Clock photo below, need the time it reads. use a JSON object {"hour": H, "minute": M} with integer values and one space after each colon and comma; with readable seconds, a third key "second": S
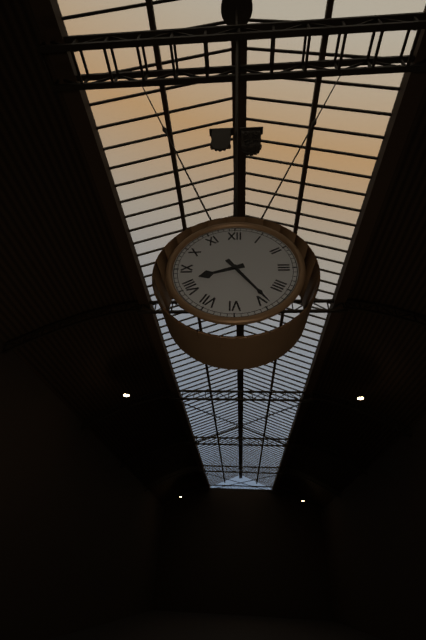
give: {"hour": 8, "minute": 24}
